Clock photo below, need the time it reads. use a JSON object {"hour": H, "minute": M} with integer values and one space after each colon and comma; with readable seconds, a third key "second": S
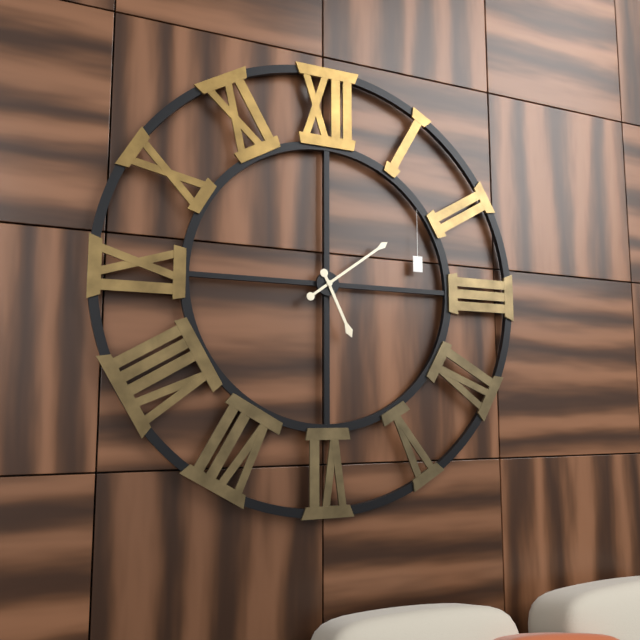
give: {"hour": 5, "minute": 9}
